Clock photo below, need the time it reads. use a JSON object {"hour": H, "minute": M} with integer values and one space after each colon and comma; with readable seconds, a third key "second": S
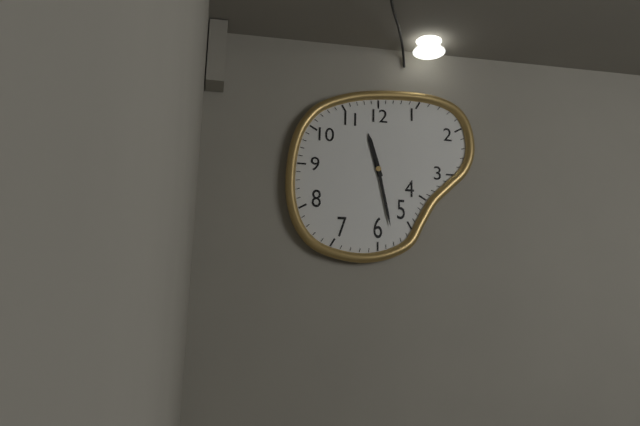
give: {"hour": 11, "minute": 28}
